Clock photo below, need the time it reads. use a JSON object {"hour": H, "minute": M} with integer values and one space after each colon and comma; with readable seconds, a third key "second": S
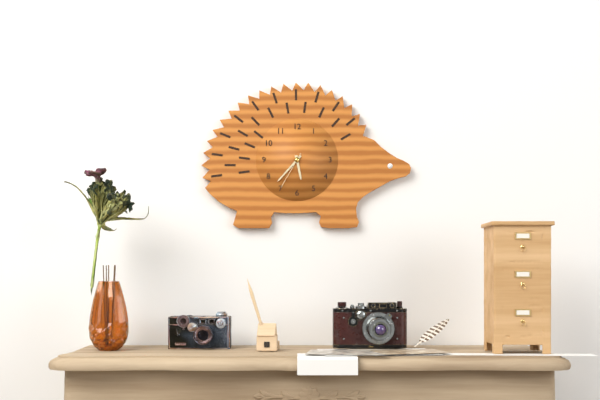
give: {"hour": 5, "minute": 37}
